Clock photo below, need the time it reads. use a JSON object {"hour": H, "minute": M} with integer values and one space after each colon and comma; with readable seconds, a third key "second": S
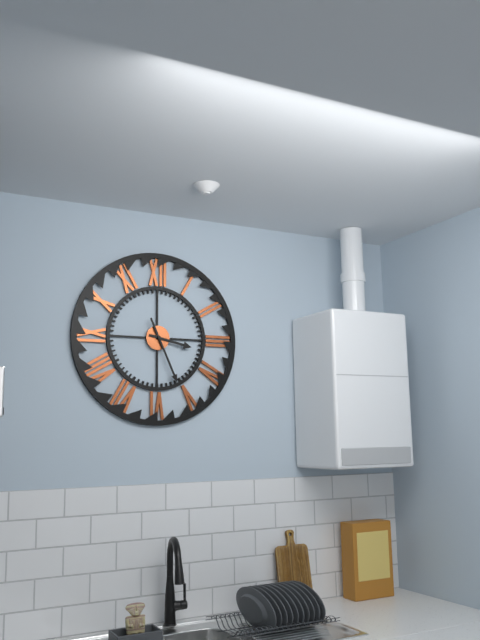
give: {"hour": 3, "minute": 26}
